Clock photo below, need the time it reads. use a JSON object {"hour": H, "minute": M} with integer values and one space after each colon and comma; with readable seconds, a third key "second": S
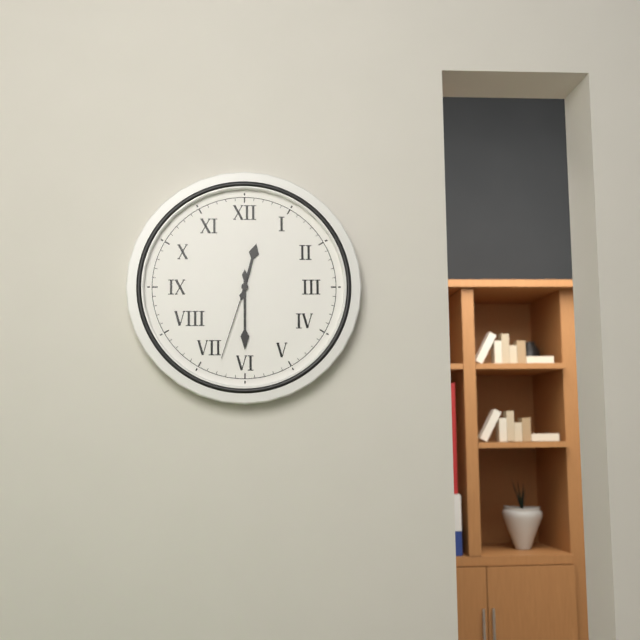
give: {"hour": 12, "minute": 30, "second": 33}
